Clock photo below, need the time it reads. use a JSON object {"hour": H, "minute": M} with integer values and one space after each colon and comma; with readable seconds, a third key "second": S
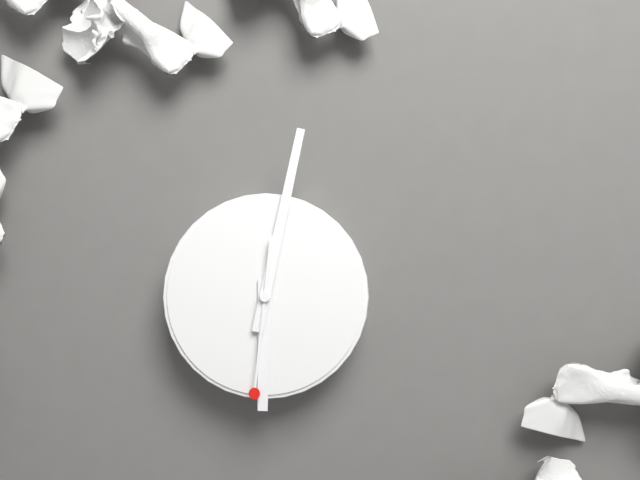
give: {"hour": 6, "minute": 2, "second": 31}
